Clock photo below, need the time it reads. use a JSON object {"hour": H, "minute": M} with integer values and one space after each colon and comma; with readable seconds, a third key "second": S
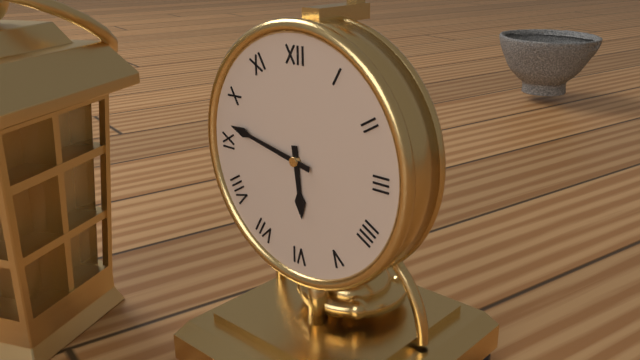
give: {"hour": 5, "minute": 47}
